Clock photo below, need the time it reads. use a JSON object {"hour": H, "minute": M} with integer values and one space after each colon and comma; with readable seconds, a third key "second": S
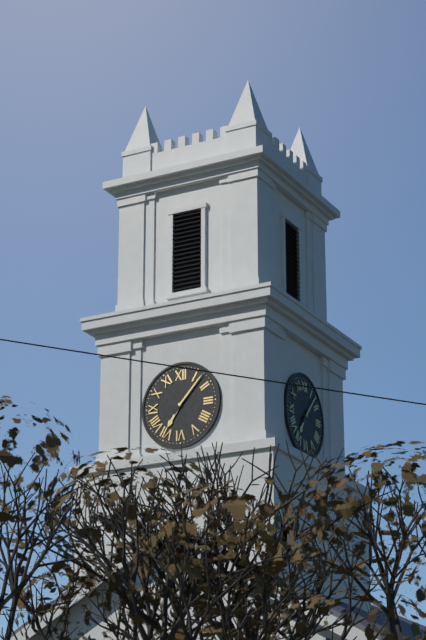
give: {"hour": 7, "minute": 7}
